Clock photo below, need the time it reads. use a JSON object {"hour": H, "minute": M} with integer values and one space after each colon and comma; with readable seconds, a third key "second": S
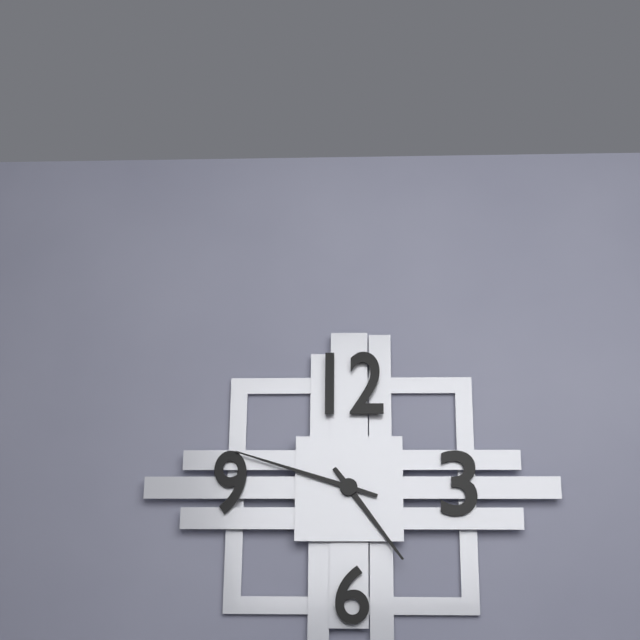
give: {"hour": 4, "minute": 48}
